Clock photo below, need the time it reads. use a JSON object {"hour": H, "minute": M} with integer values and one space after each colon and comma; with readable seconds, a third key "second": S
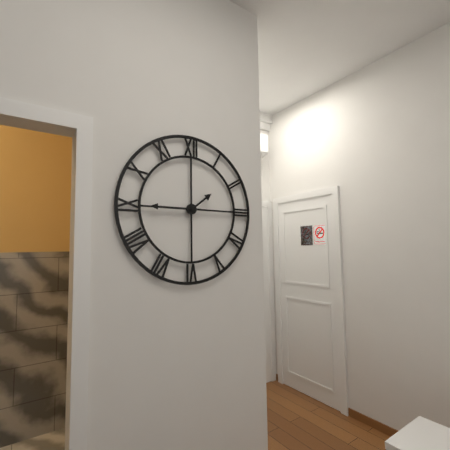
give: {"hour": 1, "minute": 45}
